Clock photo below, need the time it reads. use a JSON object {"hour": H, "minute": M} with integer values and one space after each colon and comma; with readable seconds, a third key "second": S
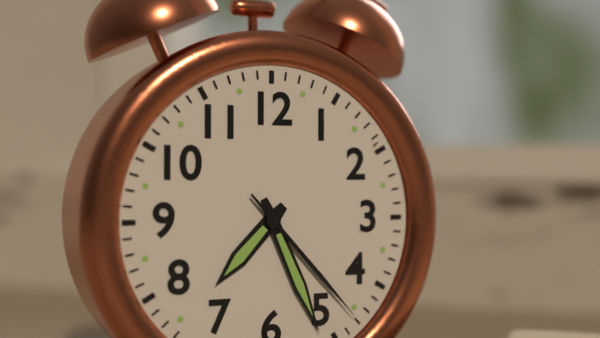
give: {"hour": 7, "minute": 26, "second": 23}
